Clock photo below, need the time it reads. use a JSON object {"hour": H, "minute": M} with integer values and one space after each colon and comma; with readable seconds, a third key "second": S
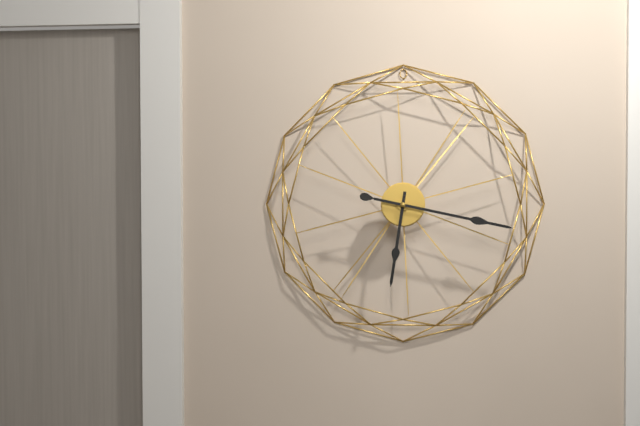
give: {"hour": 6, "minute": 17}
